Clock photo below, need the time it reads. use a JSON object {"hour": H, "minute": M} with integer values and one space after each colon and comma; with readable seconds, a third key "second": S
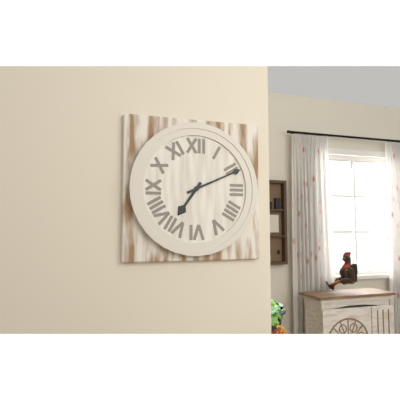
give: {"hour": 7, "minute": 11}
